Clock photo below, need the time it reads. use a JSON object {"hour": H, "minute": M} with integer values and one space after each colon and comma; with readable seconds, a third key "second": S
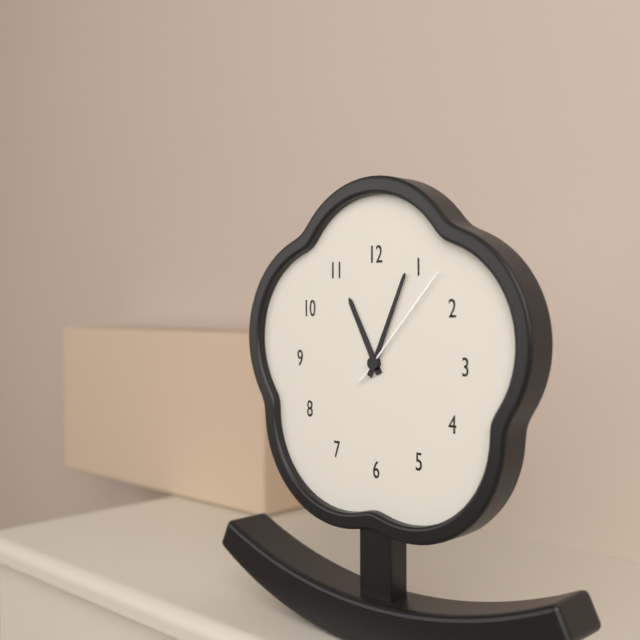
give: {"hour": 11, "minute": 4, "second": 7}
